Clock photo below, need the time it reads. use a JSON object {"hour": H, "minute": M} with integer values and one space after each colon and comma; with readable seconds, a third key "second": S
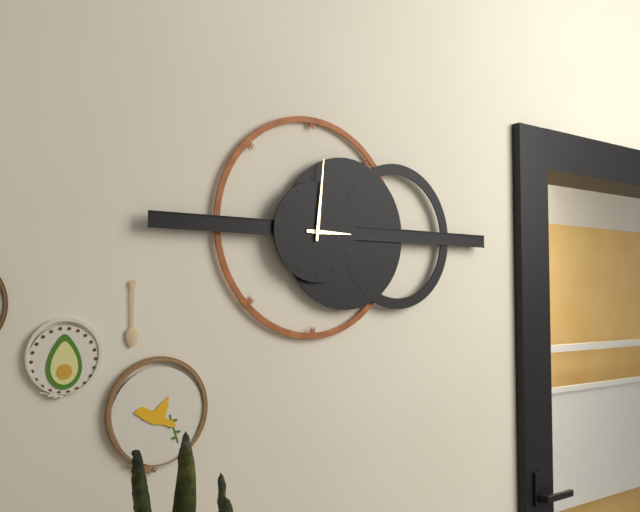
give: {"hour": 3, "minute": 1}
